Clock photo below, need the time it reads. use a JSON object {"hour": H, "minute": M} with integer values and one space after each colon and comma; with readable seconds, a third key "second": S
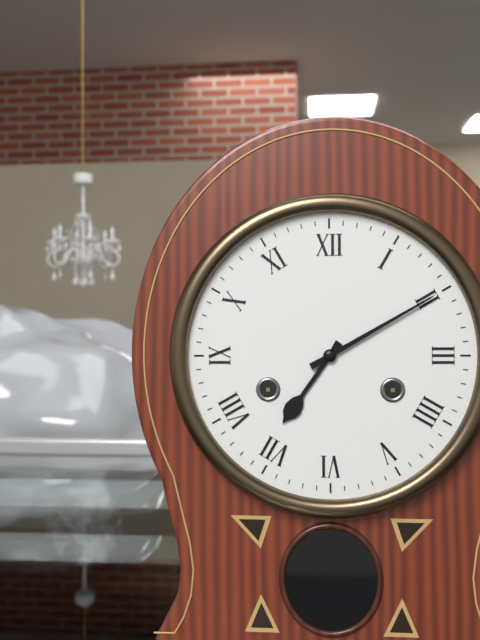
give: {"hour": 7, "minute": 10}
